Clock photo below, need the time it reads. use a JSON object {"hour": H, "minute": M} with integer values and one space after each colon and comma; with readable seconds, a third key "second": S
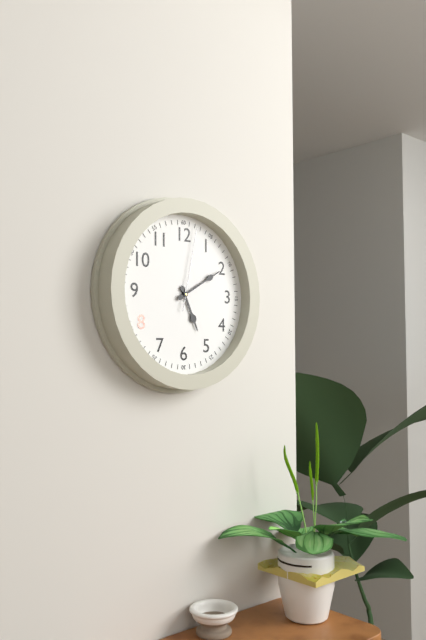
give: {"hour": 5, "minute": 10, "second": 2}
